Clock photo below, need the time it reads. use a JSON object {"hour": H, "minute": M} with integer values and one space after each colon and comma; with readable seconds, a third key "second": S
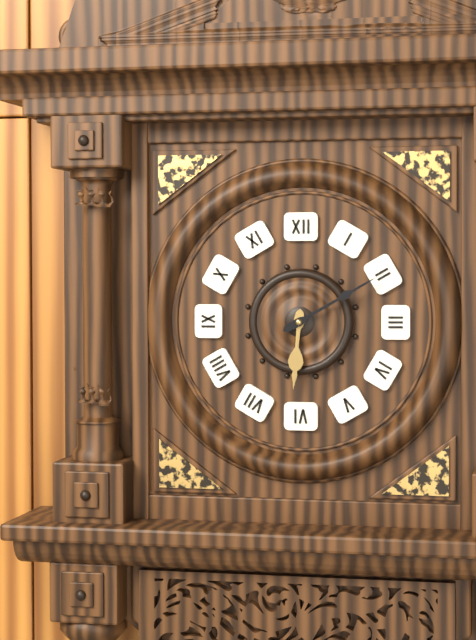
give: {"hour": 6, "minute": 10}
